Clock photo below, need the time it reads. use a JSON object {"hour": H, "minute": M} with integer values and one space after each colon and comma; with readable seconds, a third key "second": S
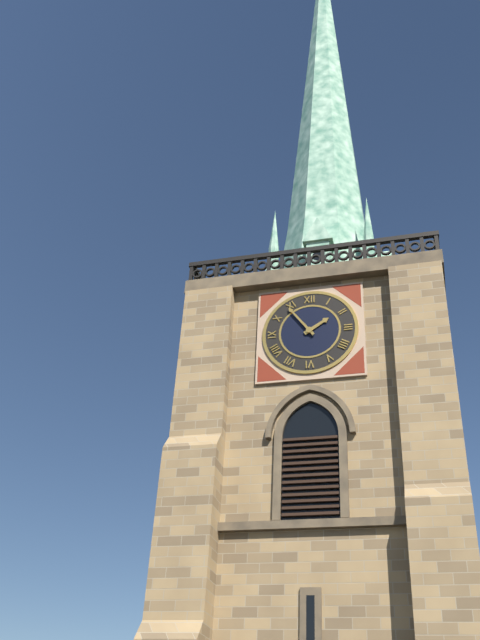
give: {"hour": 1, "minute": 54}
